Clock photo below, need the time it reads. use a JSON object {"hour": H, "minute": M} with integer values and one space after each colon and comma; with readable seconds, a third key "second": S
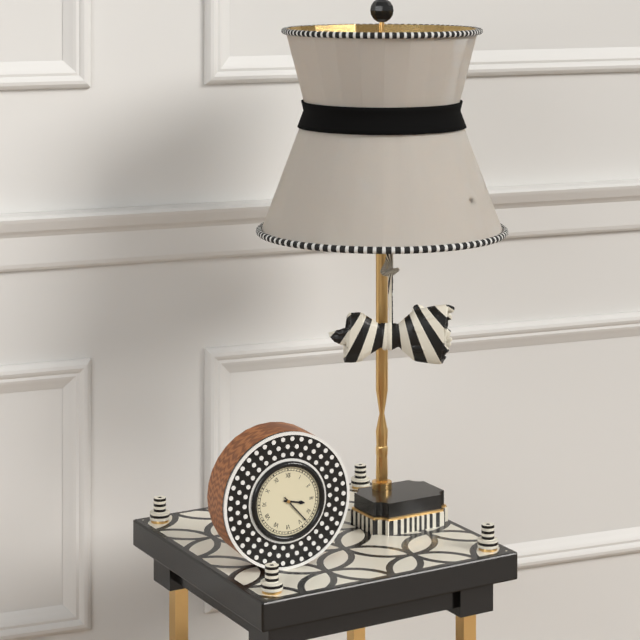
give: {"hour": 3, "minute": 23}
